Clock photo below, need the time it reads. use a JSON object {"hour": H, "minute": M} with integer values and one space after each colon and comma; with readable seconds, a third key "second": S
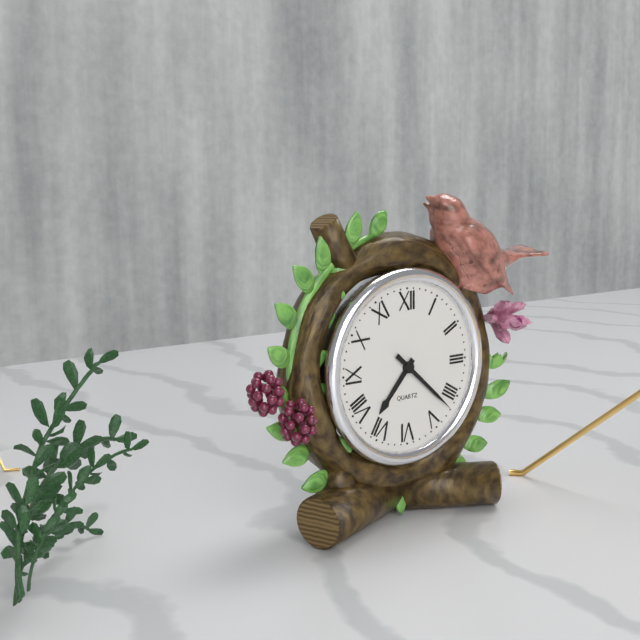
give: {"hour": 7, "minute": 22}
